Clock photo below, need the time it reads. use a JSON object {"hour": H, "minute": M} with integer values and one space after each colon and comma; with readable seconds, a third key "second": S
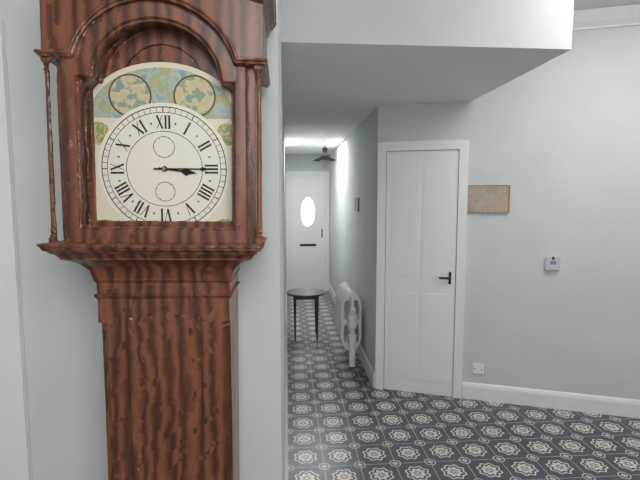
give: {"hour": 3, "minute": 15}
